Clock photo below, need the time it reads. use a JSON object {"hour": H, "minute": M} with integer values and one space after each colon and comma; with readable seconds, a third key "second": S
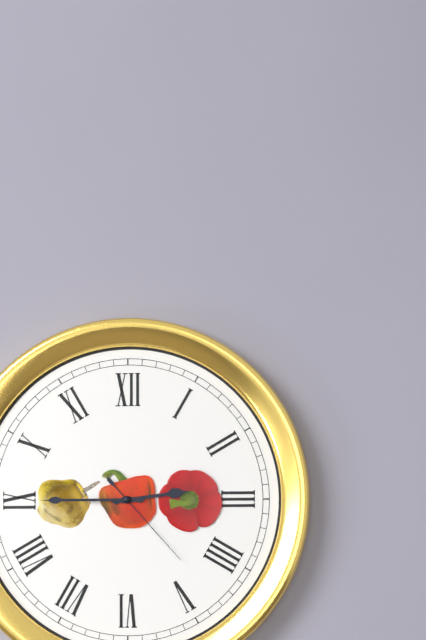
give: {"hour": 2, "minute": 45, "second": 23}
